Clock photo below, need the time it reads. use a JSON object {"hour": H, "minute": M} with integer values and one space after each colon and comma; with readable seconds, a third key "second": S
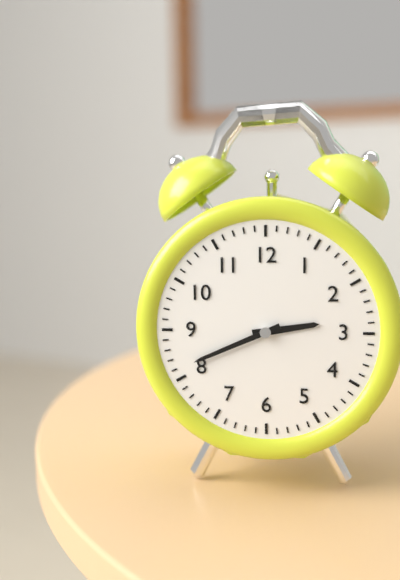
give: {"hour": 2, "minute": 41}
